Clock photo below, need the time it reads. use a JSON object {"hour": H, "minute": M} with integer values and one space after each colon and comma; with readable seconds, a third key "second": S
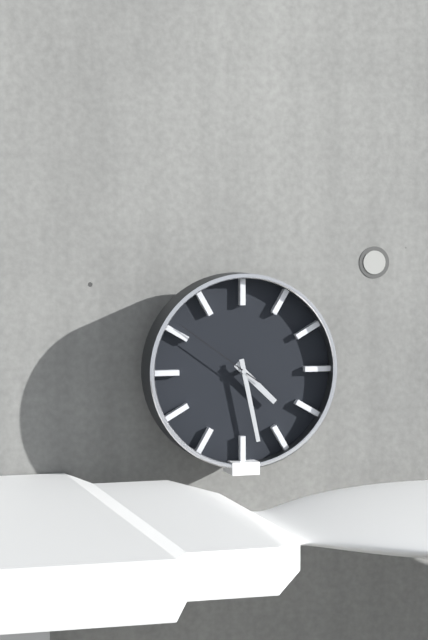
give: {"hour": 4, "minute": 28, "second": 51}
